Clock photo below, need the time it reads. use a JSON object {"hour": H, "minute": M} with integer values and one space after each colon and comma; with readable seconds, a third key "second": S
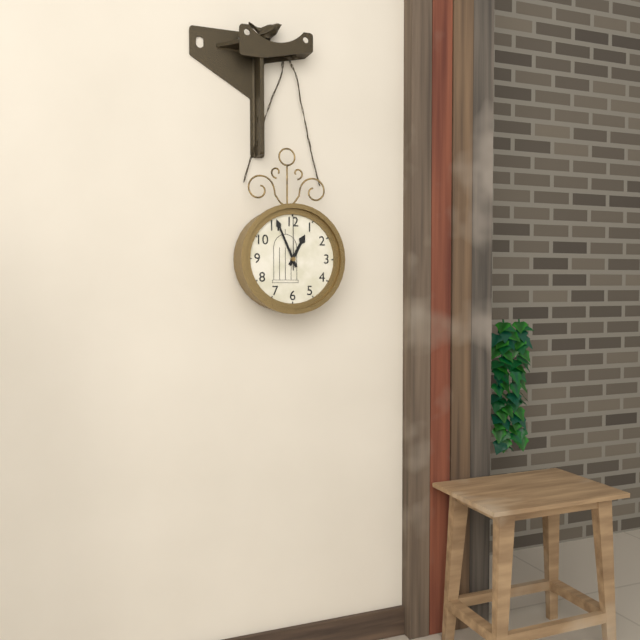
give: {"hour": 12, "minute": 56, "second": 0}
